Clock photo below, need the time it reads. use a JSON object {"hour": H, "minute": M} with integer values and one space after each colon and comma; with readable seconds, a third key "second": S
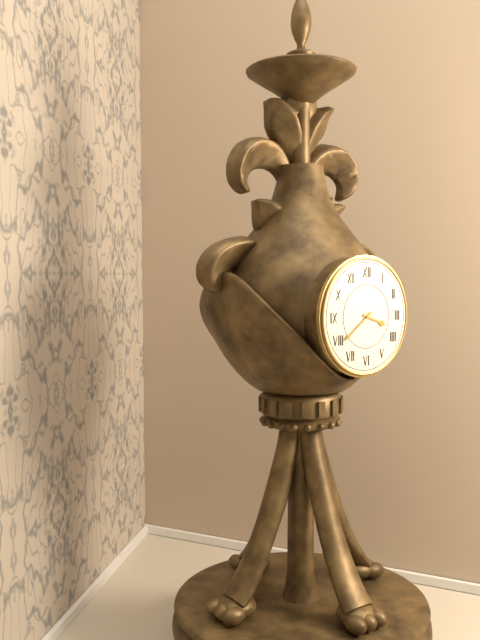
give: {"hour": 3, "minute": 39}
